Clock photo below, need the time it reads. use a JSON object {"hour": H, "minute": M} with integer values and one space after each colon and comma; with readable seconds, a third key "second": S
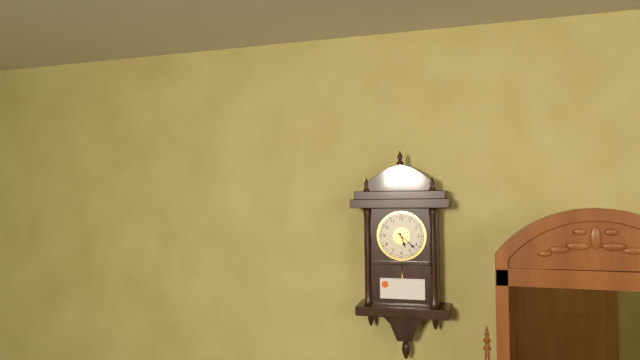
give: {"hour": 5, "minute": 22}
